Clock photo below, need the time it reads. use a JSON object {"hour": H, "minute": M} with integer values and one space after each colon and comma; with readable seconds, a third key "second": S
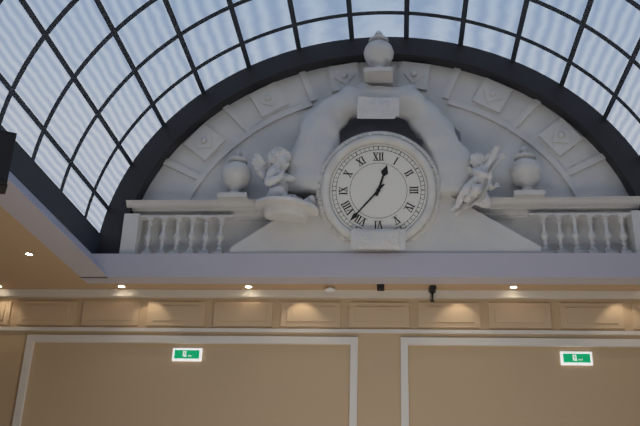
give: {"hour": 12, "minute": 37}
